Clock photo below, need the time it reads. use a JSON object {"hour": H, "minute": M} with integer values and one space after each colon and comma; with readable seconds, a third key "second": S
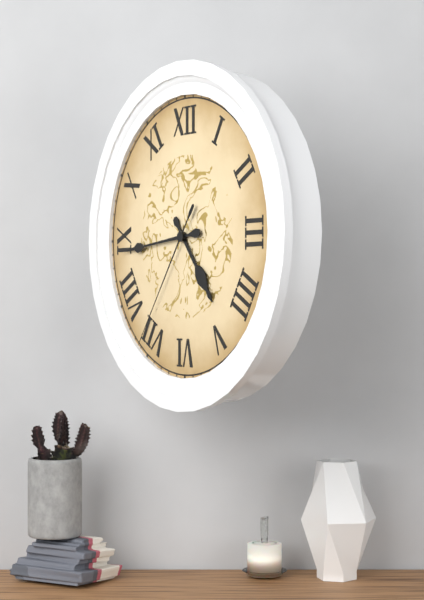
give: {"hour": 4, "minute": 44, "second": 36}
